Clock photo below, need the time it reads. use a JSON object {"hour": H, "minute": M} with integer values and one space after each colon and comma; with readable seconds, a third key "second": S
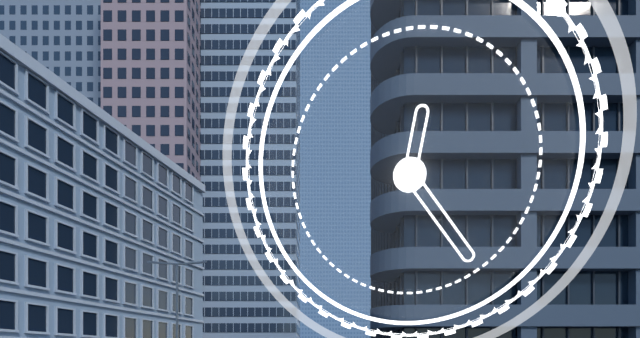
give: {"hour": 12, "minute": 24}
